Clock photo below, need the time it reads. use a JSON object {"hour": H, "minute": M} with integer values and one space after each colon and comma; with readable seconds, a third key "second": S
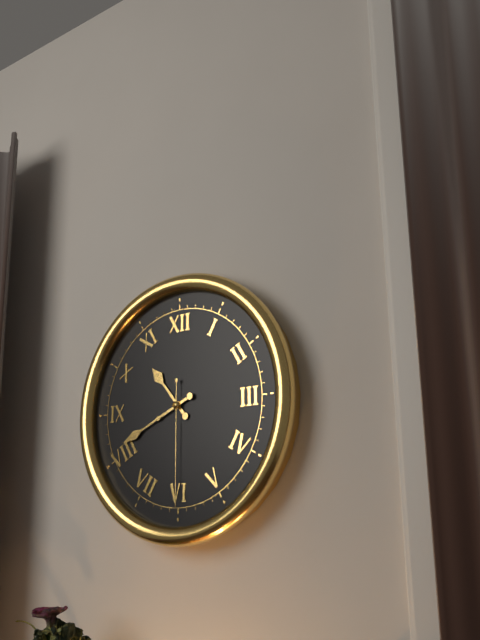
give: {"hour": 10, "minute": 41, "second": 30}
